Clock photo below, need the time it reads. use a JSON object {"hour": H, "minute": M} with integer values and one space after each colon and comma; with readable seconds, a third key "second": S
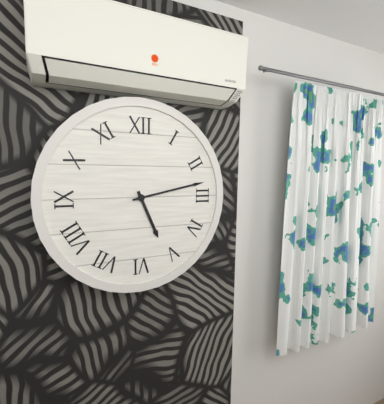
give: {"hour": 5, "minute": 13}
